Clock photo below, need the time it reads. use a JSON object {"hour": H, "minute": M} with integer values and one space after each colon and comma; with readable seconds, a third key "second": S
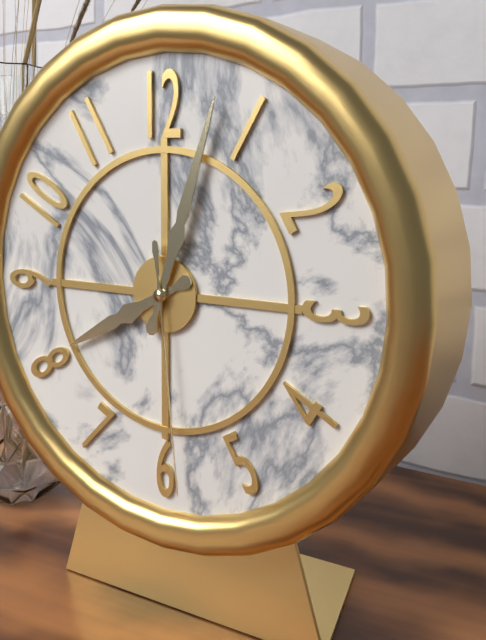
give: {"hour": 8, "minute": 3, "second": 29}
